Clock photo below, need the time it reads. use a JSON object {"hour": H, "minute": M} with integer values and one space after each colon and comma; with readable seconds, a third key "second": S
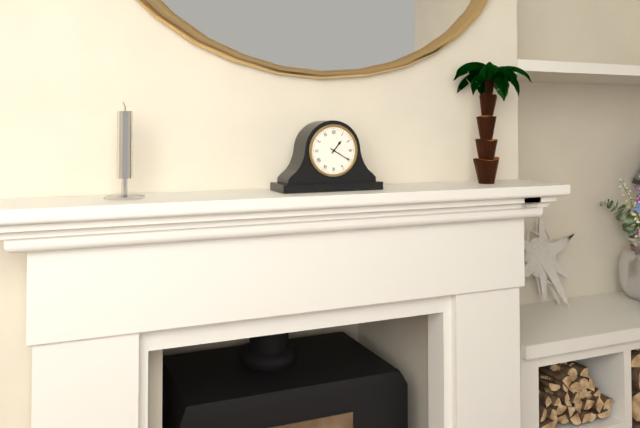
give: {"hour": 1, "minute": 20}
